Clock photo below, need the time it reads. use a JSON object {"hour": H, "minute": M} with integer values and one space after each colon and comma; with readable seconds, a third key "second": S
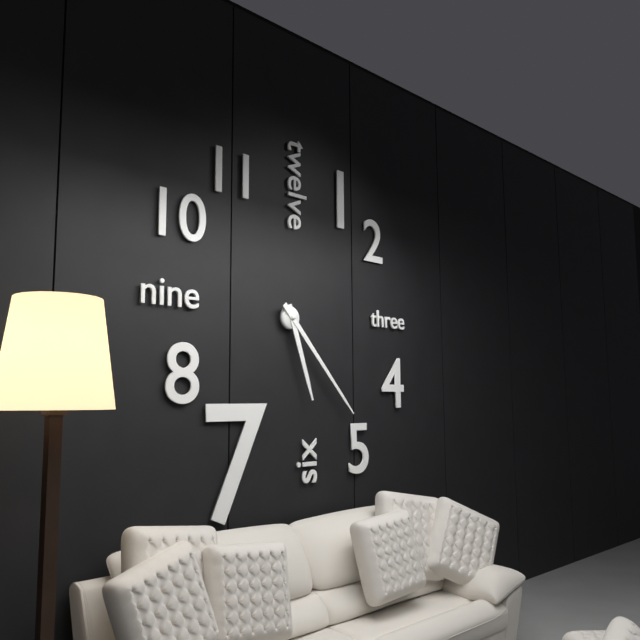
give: {"hour": 5, "minute": 23}
